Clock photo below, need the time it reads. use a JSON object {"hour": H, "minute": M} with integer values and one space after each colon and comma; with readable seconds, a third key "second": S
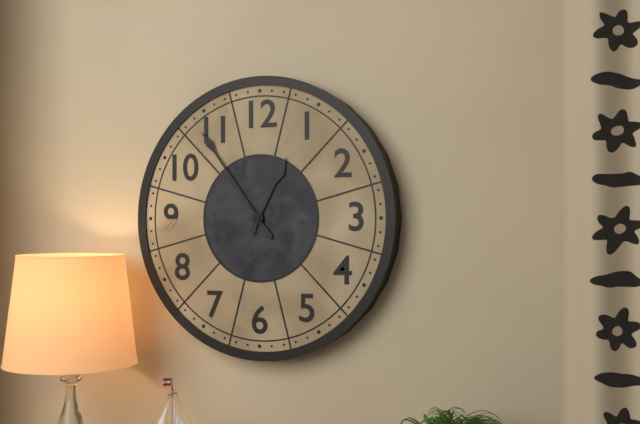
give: {"hour": 12, "minute": 54}
